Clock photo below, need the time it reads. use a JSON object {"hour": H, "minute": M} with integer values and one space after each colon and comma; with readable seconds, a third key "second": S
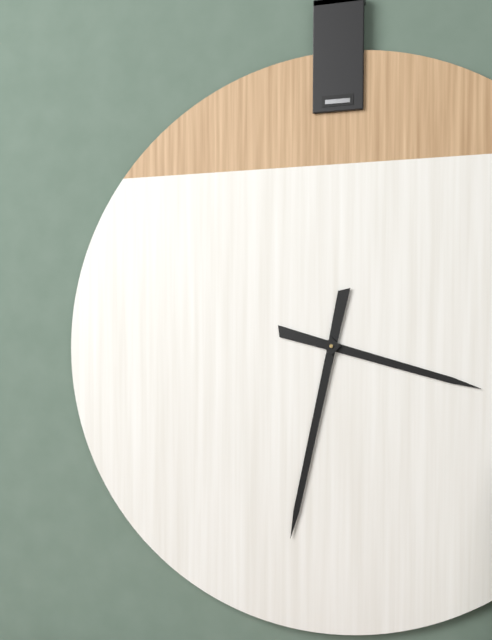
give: {"hour": 3, "minute": 32}
